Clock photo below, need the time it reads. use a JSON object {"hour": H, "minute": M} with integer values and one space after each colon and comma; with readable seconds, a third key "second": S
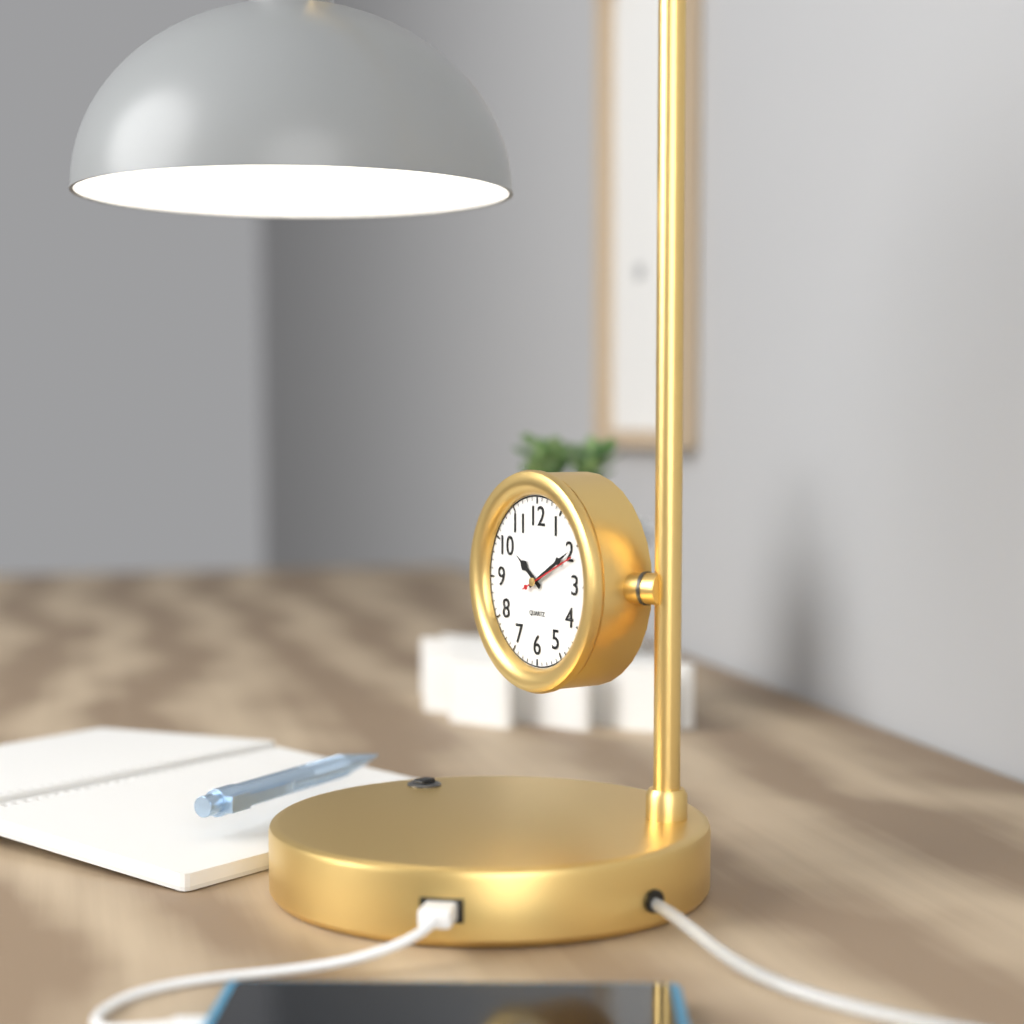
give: {"hour": 10, "minute": 10, "second": 11}
